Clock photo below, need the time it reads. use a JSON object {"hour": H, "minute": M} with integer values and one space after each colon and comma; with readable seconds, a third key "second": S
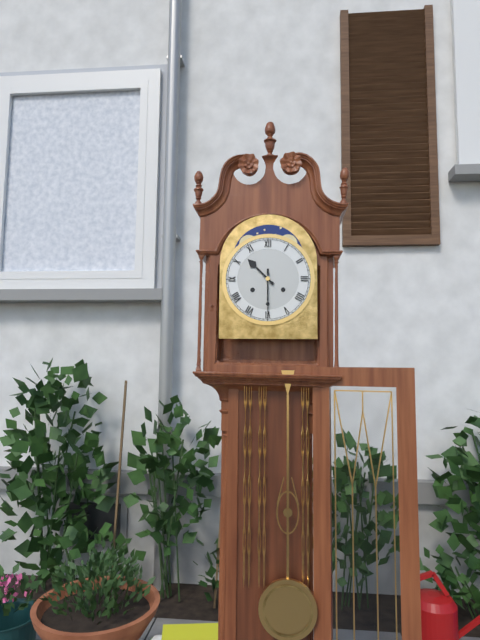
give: {"hour": 10, "minute": 30}
